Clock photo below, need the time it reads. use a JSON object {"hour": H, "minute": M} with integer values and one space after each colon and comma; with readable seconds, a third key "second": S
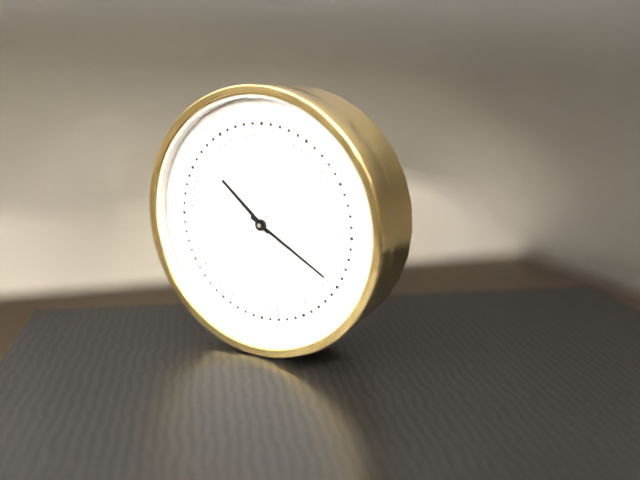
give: {"hour": 10, "minute": 20}
